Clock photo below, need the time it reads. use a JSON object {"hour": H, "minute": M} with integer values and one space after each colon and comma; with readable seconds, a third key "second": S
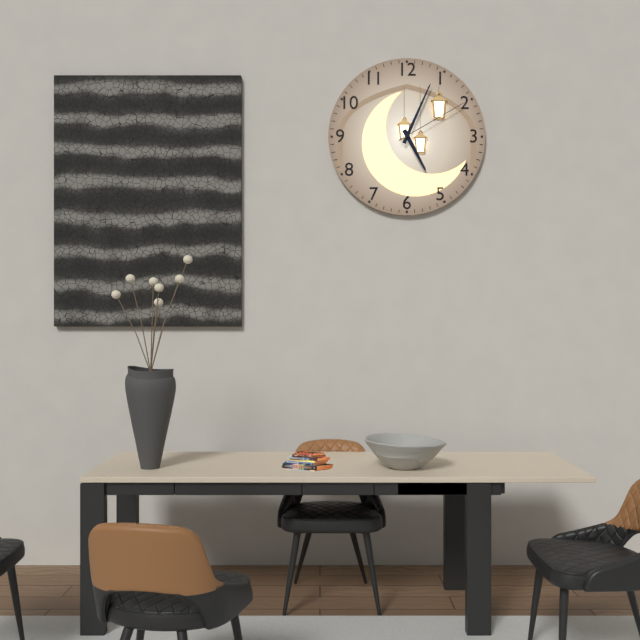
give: {"hour": 5, "minute": 4, "second": 10}
